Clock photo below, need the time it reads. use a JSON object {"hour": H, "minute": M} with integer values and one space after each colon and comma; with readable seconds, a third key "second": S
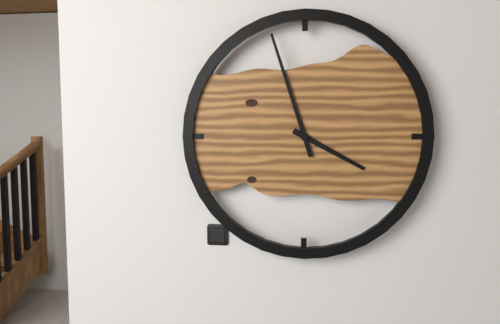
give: {"hour": 3, "minute": 57}
